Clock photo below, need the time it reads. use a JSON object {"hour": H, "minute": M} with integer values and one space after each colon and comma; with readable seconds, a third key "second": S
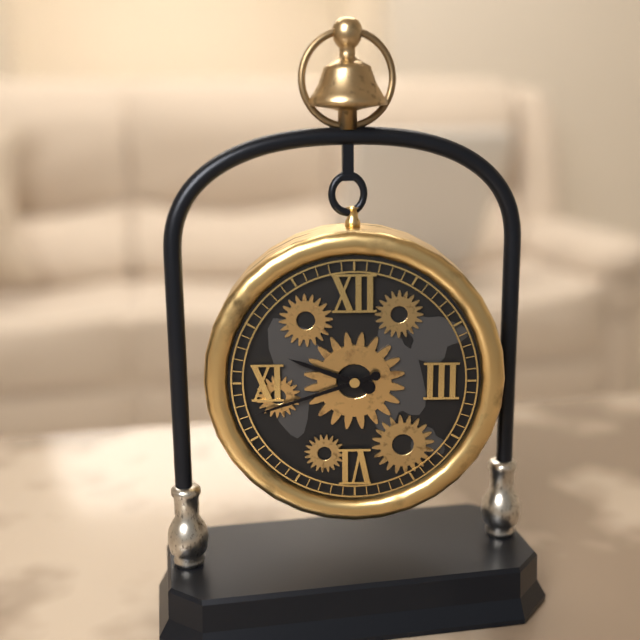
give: {"hour": 9, "minute": 42}
